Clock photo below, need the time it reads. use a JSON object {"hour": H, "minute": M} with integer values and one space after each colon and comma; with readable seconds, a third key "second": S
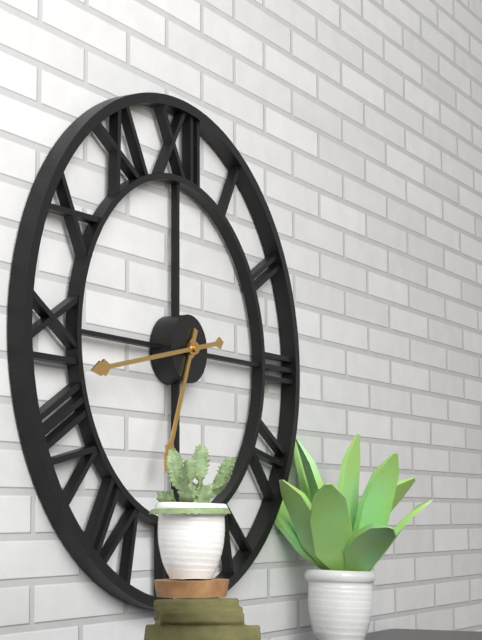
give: {"hour": 6, "minute": 43}
